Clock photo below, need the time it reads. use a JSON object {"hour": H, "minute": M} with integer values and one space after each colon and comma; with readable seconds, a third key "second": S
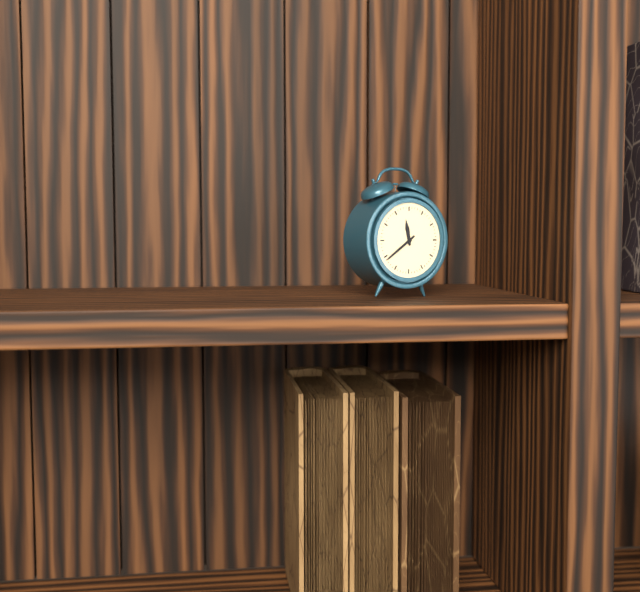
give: {"hour": 11, "minute": 39}
